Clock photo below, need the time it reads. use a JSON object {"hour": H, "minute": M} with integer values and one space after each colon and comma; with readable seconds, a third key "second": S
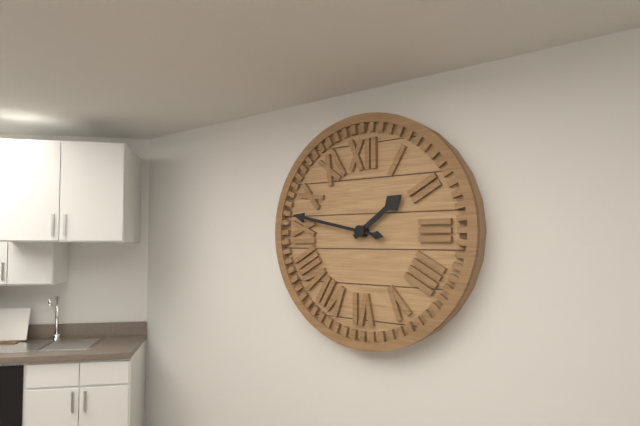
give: {"hour": 1, "minute": 47}
